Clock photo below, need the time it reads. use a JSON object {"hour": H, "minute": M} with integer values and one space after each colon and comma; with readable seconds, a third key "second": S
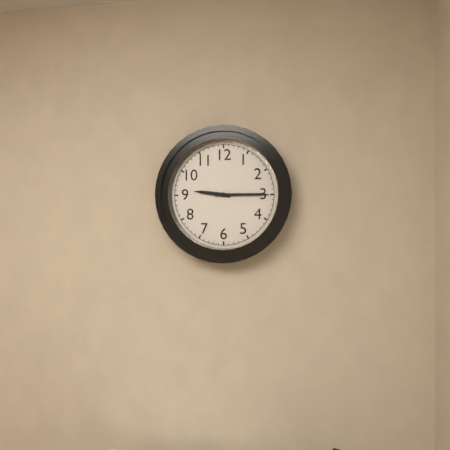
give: {"hour": 9, "minute": 15}
